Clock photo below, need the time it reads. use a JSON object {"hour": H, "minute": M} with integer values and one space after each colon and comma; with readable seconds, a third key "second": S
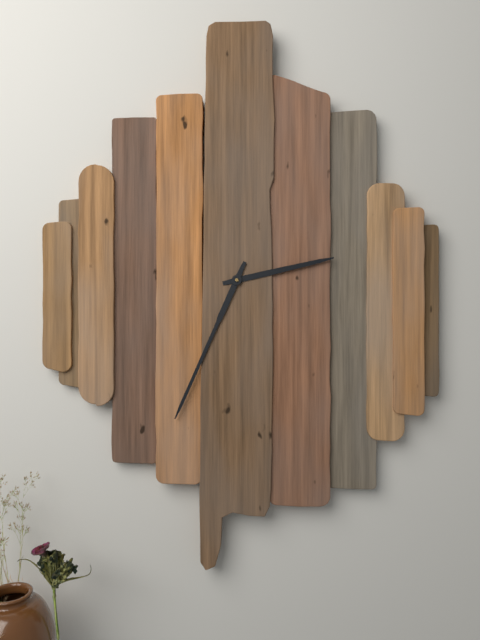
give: {"hour": 2, "minute": 34}
